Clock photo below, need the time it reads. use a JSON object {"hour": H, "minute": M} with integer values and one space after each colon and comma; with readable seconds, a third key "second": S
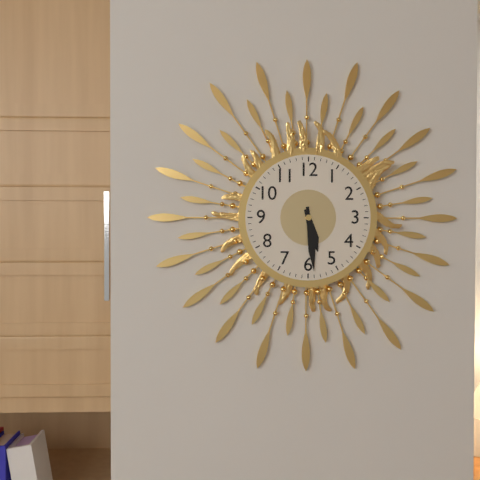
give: {"hour": 5, "minute": 29}
